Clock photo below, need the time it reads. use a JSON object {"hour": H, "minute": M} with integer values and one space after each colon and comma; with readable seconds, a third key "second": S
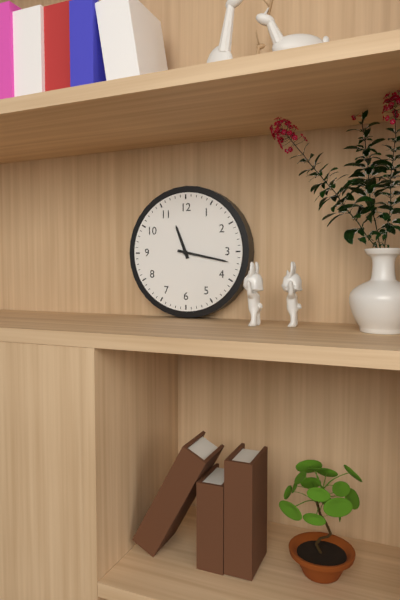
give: {"hour": 11, "minute": 17}
